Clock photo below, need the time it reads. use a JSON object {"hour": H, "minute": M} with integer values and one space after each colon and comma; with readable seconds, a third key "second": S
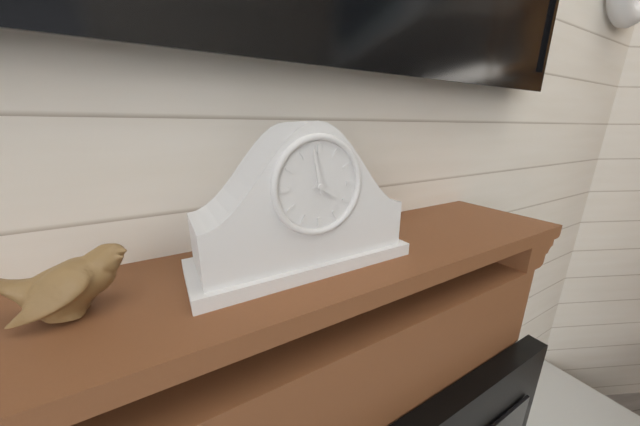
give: {"hour": 3, "minute": 58}
